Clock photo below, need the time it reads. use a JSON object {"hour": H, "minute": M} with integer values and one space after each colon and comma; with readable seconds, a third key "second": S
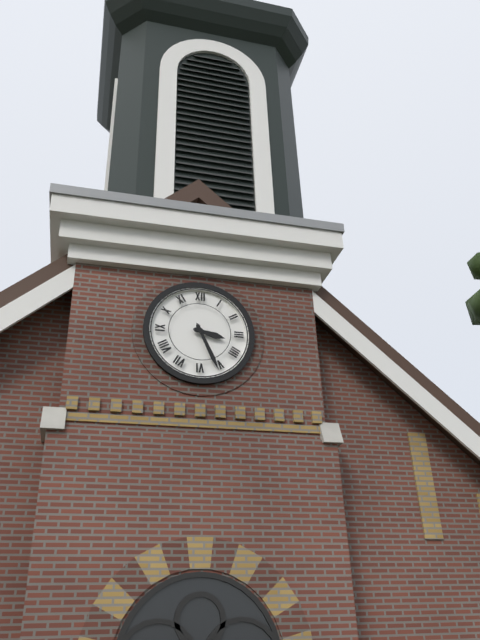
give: {"hour": 3, "minute": 26}
